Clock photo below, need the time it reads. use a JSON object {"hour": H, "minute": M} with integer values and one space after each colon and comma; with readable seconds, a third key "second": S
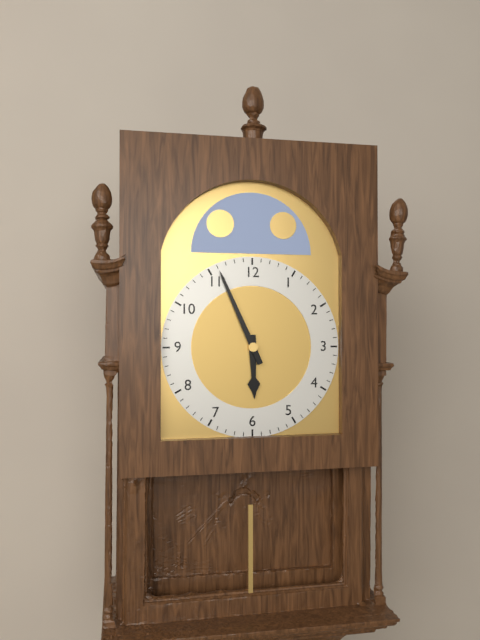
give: {"hour": 5, "minute": 56}
